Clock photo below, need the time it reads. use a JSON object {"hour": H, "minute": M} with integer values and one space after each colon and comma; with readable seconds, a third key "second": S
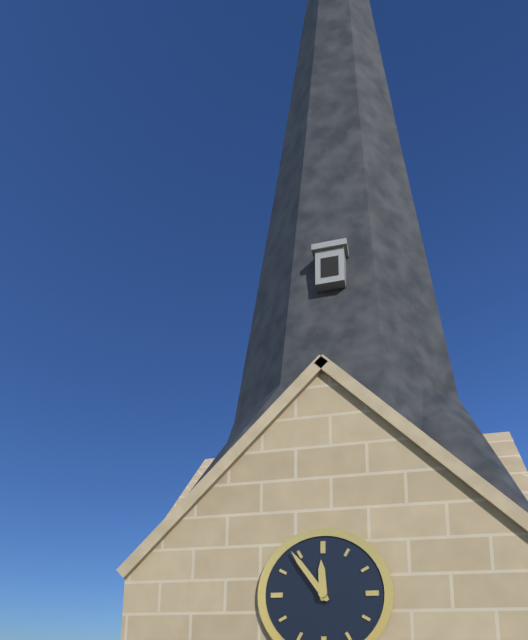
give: {"hour": 11, "minute": 54}
